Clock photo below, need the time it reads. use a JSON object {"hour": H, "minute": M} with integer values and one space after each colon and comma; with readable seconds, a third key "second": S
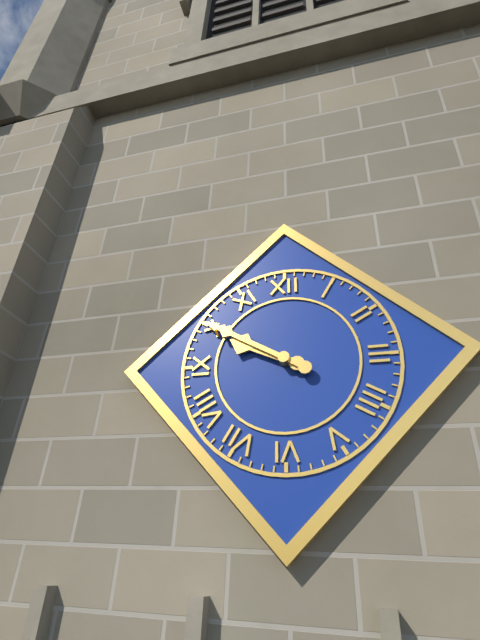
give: {"hour": 9, "minute": 50}
